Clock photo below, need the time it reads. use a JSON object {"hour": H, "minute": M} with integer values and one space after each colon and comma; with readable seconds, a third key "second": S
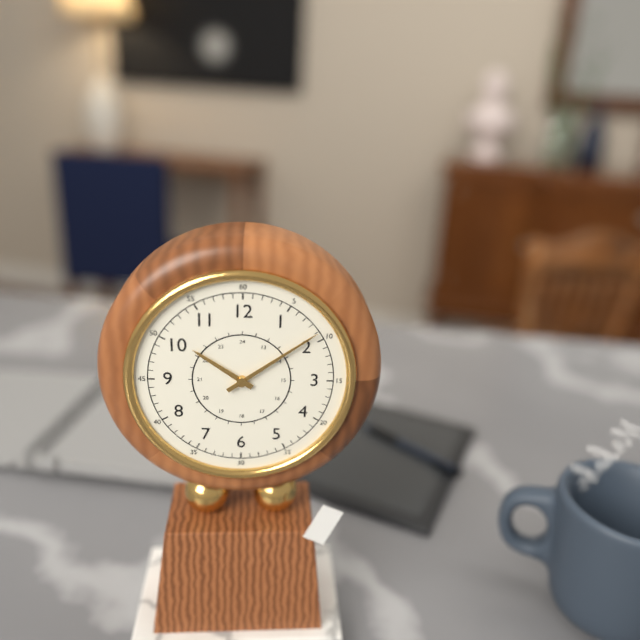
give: {"hour": 10, "minute": 9}
